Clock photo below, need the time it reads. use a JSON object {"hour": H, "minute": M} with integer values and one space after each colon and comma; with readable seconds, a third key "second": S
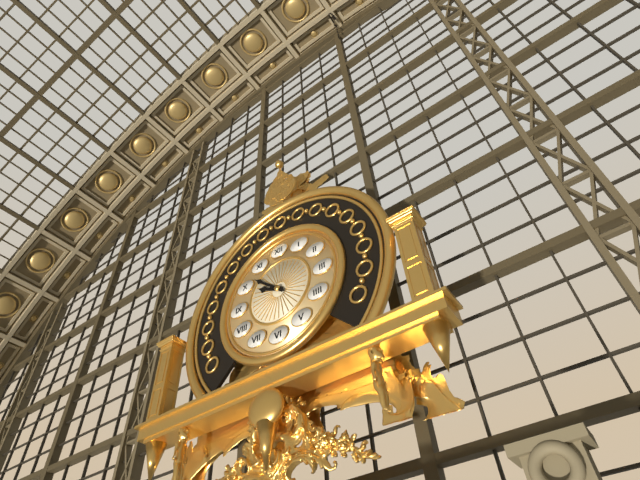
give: {"hour": 9, "minute": 52}
